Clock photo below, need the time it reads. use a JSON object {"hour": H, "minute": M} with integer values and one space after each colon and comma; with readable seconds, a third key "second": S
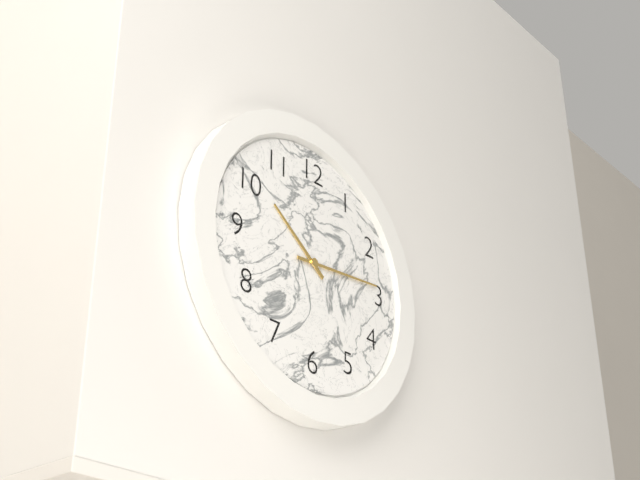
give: {"hour": 10, "minute": 14}
